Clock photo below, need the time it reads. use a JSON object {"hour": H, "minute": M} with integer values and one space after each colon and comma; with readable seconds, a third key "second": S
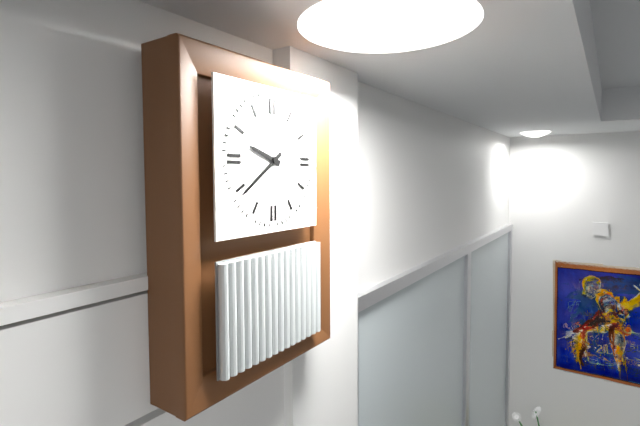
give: {"hour": 9, "minute": 39}
